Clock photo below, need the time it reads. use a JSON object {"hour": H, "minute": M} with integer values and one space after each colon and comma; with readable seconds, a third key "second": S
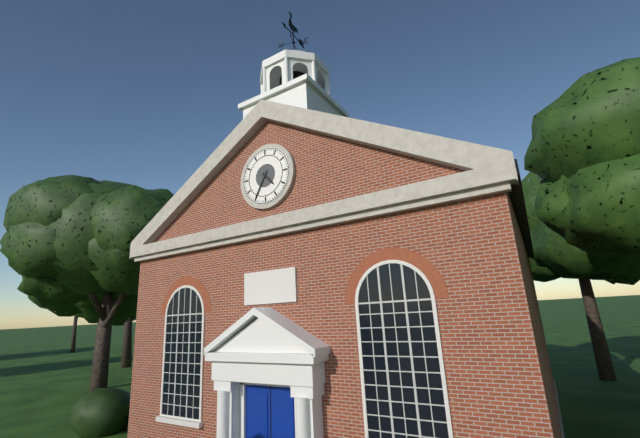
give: {"hour": 4, "minute": 35}
